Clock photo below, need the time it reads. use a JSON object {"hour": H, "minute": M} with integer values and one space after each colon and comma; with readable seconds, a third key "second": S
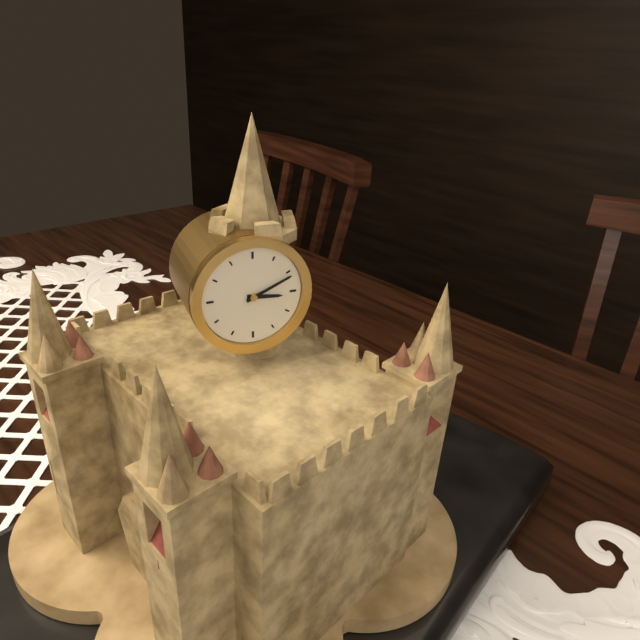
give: {"hour": 3, "minute": 11}
